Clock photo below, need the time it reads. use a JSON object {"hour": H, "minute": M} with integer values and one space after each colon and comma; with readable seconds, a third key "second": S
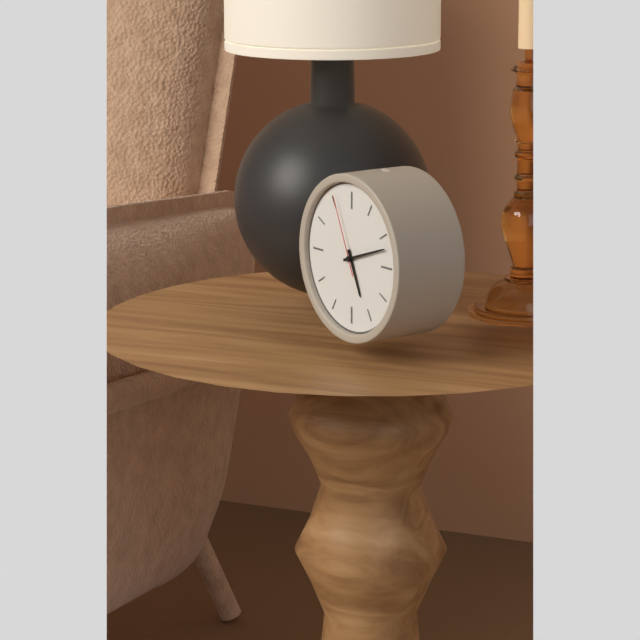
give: {"hour": 5, "minute": 12, "second": 56}
